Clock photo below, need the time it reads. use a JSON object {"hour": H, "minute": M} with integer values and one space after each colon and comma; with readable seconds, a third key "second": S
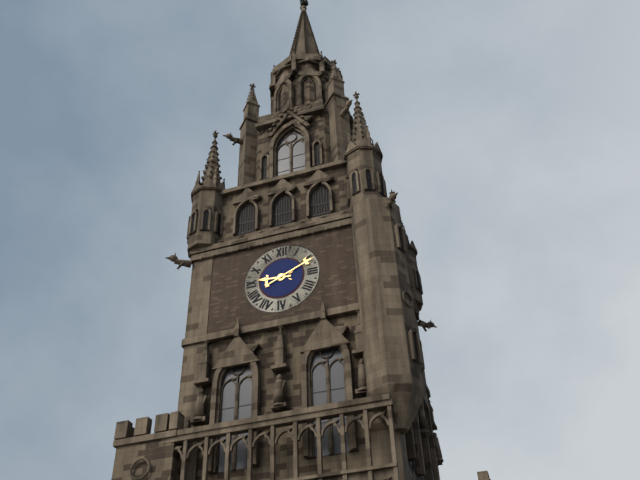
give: {"hour": 9, "minute": 11}
